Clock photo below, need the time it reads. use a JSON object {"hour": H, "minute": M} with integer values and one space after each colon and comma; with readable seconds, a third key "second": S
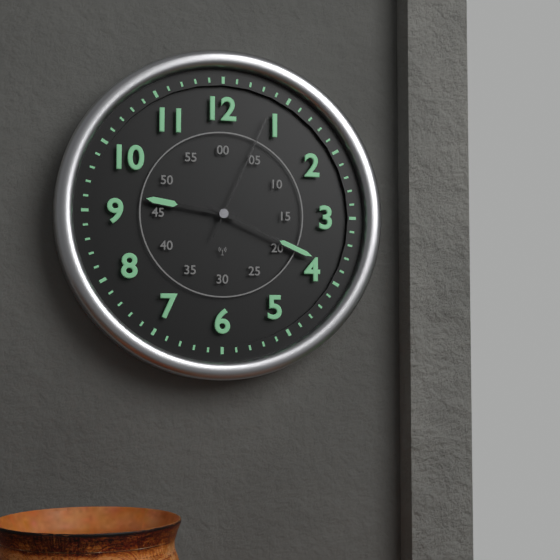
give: {"hour": 9, "minute": 19, "second": 4}
